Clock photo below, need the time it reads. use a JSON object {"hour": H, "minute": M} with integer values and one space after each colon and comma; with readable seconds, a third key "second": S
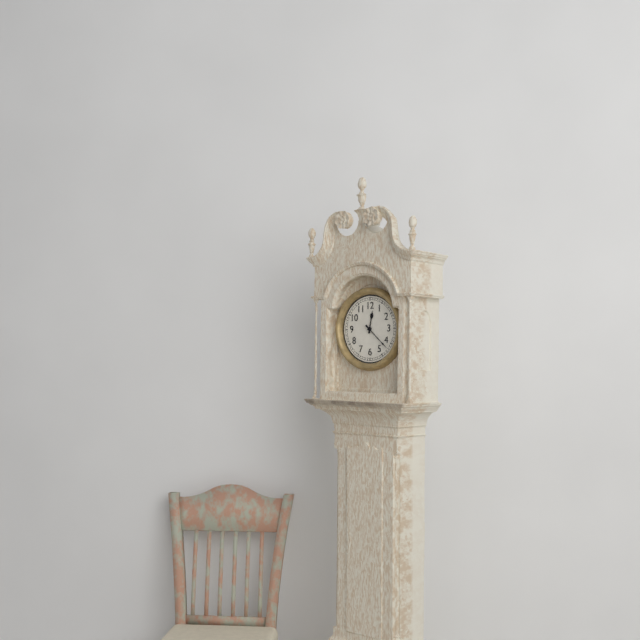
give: {"hour": 12, "minute": 22}
